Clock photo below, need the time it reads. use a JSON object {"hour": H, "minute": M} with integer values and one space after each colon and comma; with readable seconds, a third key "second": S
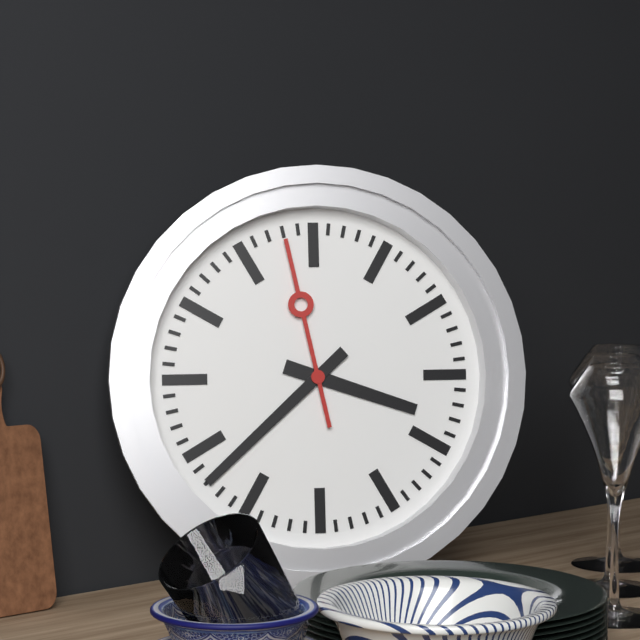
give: {"hour": 3, "minute": 38, "second": 58}
